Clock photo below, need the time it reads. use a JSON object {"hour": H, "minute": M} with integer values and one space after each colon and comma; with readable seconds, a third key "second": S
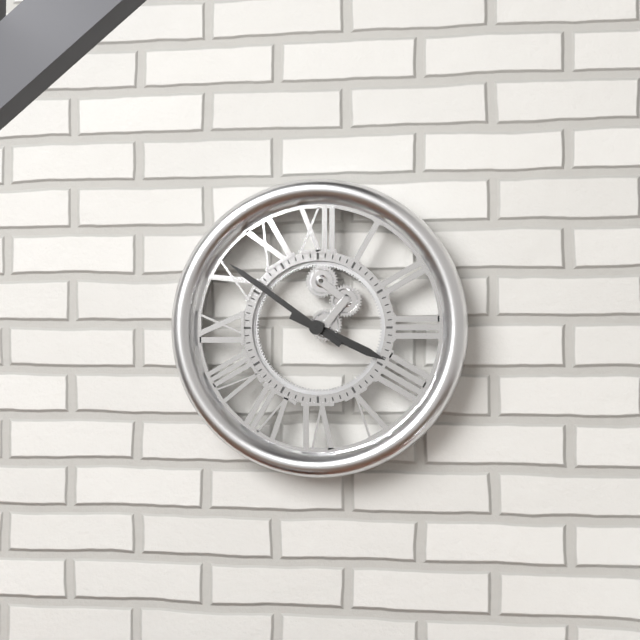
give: {"hour": 3, "minute": 51}
